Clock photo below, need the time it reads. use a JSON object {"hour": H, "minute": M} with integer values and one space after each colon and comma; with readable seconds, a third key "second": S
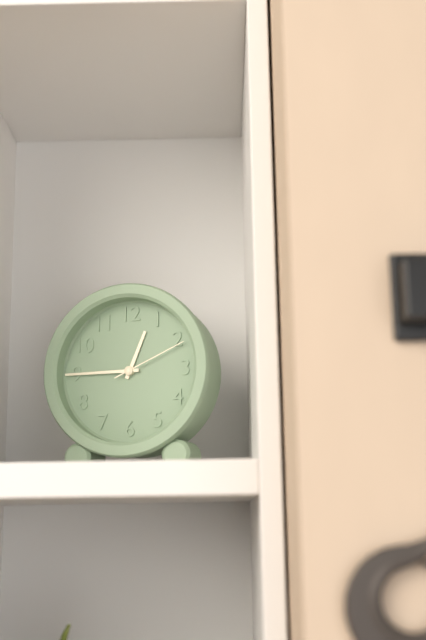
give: {"hour": 12, "minute": 45, "second": 11}
